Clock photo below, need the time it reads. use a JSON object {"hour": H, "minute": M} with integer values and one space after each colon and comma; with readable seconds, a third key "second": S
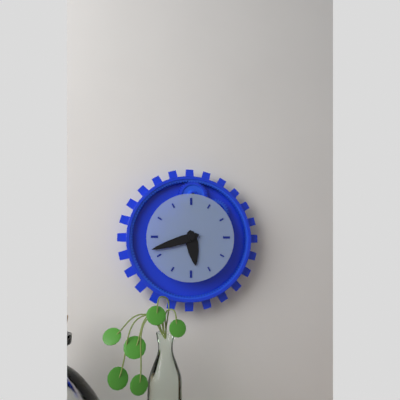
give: {"hour": 5, "minute": 42}
